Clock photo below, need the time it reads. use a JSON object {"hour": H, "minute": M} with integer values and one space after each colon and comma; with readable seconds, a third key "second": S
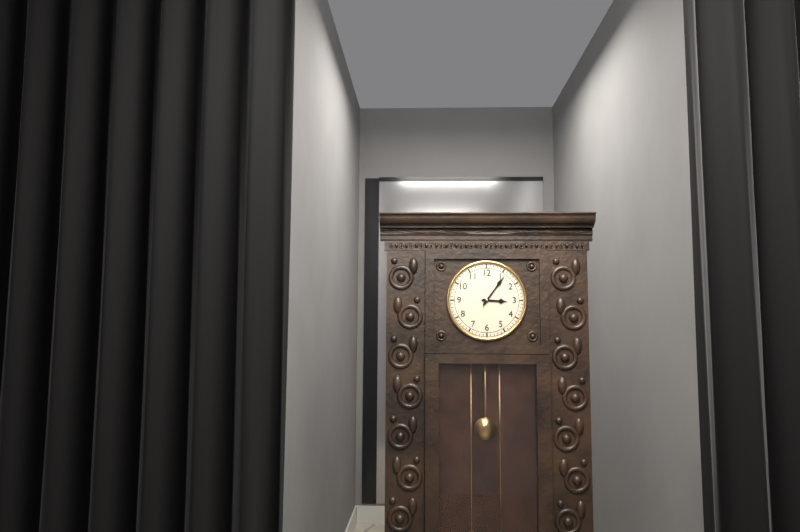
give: {"hour": 3, "minute": 6}
